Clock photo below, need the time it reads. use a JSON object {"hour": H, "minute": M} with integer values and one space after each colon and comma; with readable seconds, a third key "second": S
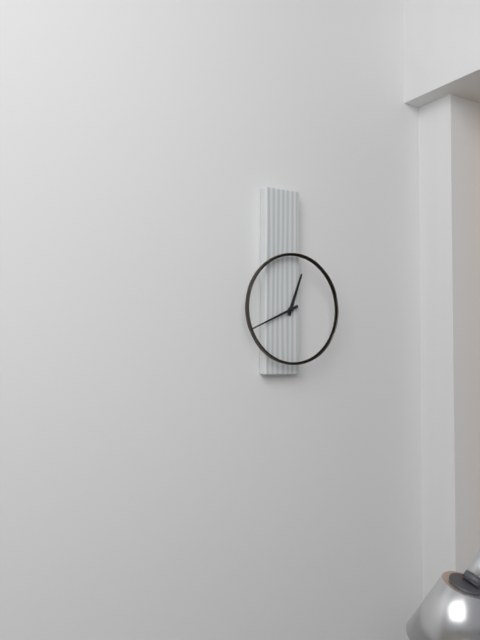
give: {"hour": 12, "minute": 41}
